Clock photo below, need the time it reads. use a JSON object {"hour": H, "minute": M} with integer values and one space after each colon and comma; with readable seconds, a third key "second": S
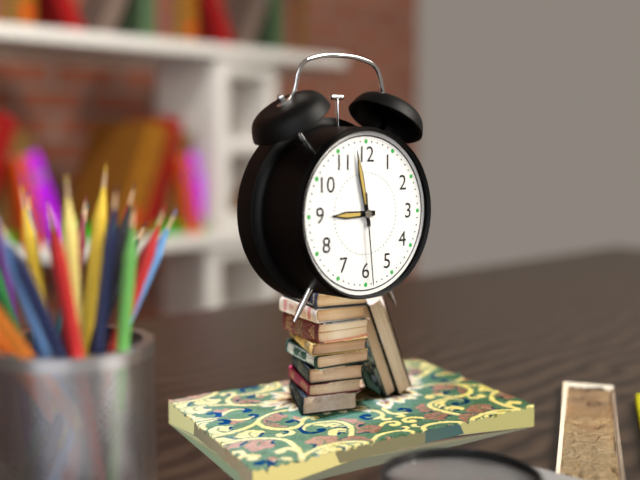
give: {"hour": 8, "minute": 58, "second": 29}
